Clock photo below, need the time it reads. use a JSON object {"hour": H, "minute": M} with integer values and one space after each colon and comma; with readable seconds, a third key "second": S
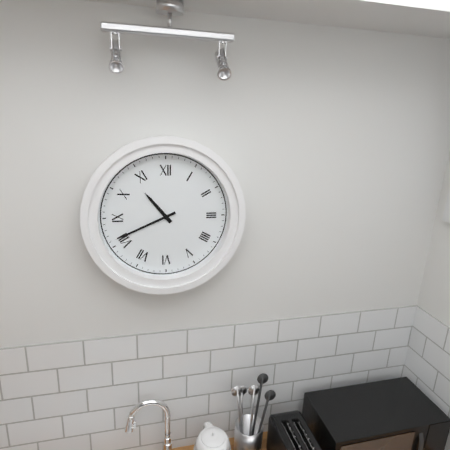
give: {"hour": 10, "minute": 41}
